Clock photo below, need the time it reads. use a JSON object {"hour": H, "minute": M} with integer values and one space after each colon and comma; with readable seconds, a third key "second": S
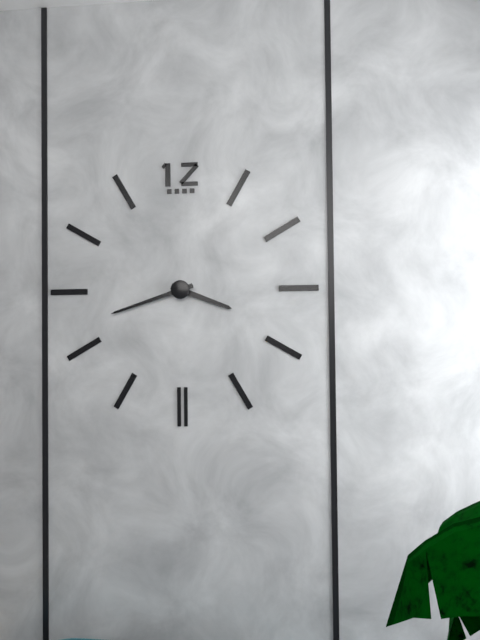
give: {"hour": 3, "minute": 42}
